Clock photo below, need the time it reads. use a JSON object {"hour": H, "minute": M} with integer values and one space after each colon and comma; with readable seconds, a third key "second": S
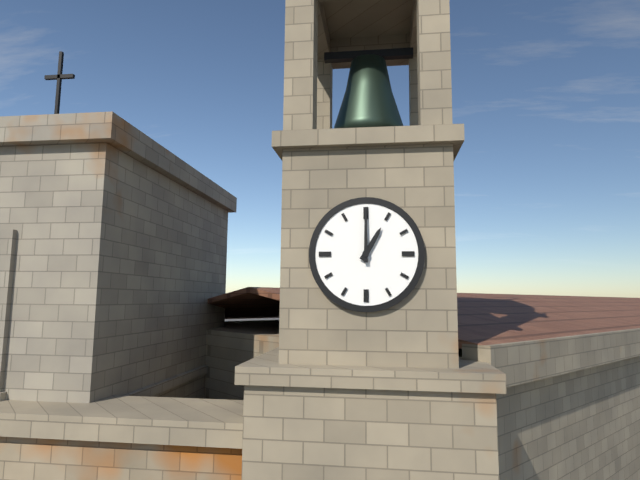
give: {"hour": 1, "minute": 0}
